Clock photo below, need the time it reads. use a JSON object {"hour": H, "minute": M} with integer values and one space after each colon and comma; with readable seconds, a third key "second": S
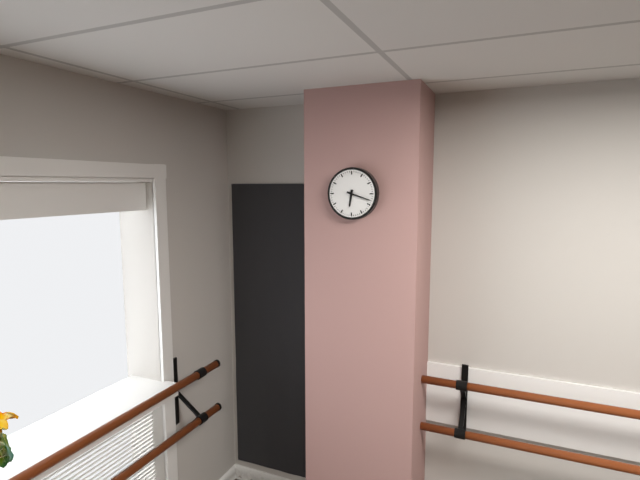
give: {"hour": 6, "minute": 18}
